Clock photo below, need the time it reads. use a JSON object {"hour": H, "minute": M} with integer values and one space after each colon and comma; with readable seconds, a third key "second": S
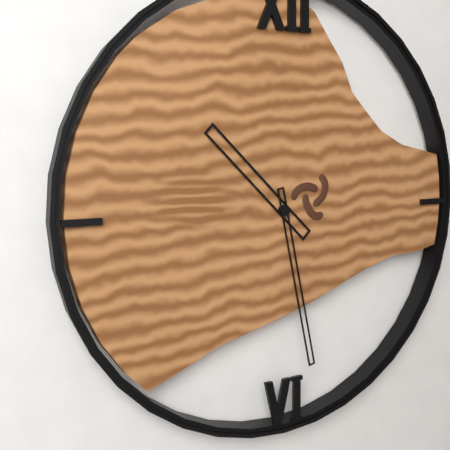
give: {"hour": 10, "minute": 28}
